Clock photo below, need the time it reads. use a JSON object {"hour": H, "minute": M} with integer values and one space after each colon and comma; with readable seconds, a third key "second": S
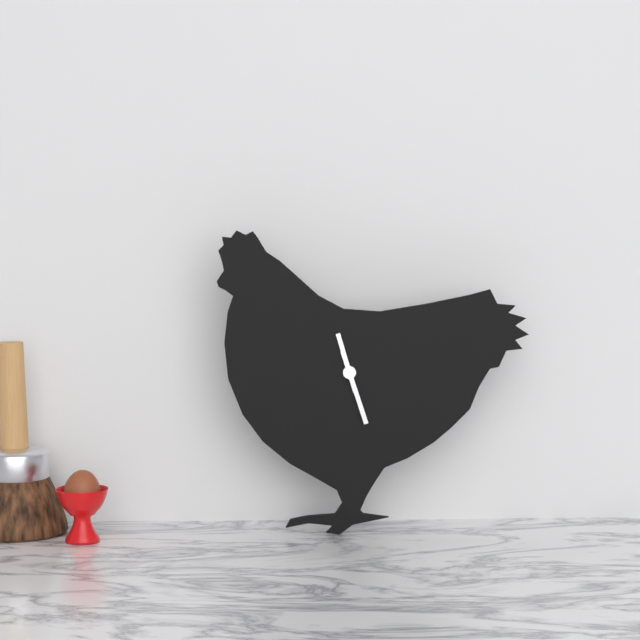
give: {"hour": 11, "minute": 27}
